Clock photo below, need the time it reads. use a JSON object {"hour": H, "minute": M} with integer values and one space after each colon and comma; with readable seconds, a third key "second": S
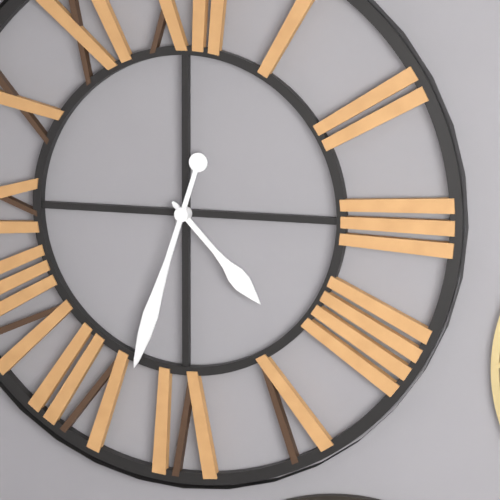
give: {"hour": 4, "minute": 33}
